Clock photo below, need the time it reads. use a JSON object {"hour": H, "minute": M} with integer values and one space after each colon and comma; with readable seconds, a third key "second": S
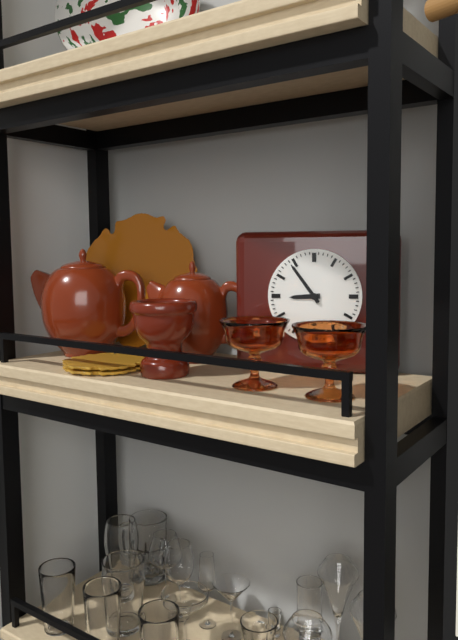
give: {"hour": 8, "minute": 54}
